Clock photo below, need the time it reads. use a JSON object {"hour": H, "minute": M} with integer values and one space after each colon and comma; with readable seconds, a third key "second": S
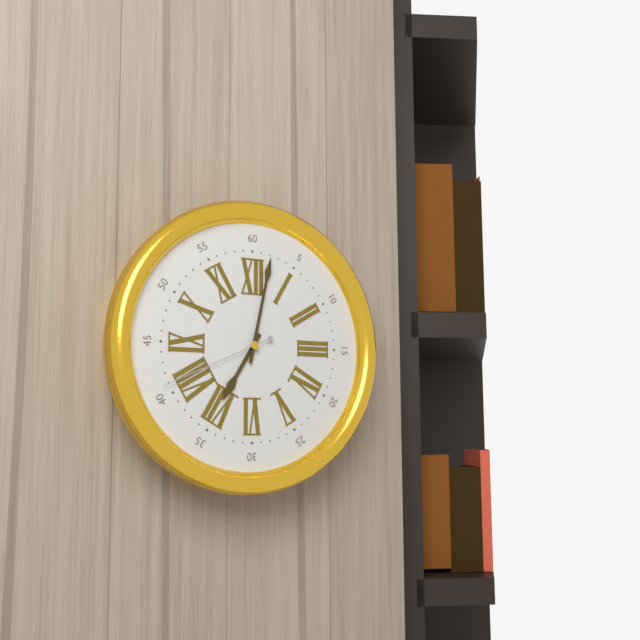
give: {"hour": 7, "minute": 2, "second": 41}
